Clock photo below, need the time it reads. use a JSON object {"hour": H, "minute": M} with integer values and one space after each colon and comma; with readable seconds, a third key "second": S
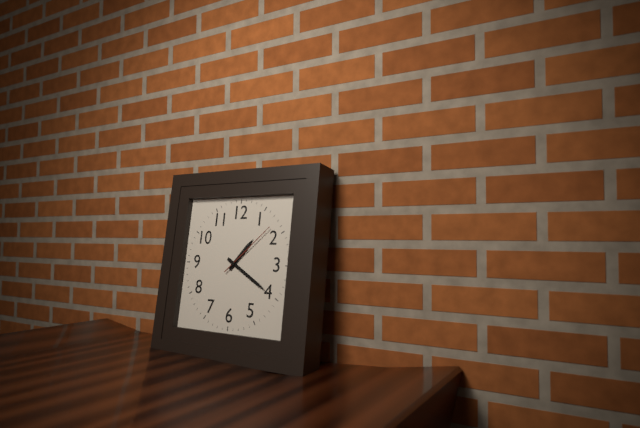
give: {"hour": 1, "minute": 20, "second": 8}
